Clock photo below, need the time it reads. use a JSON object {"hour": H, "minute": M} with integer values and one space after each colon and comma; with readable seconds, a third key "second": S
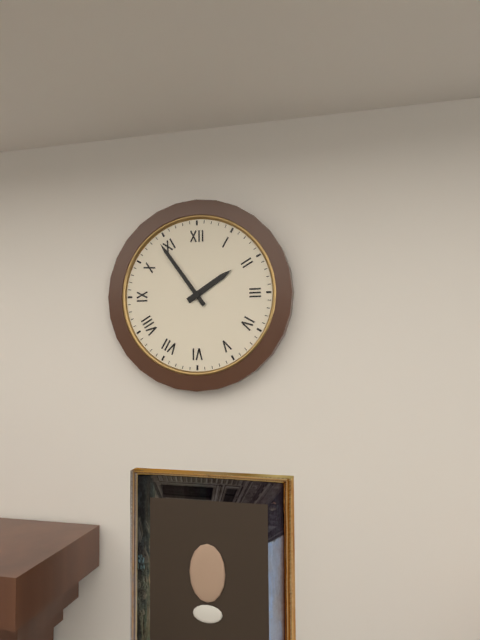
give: {"hour": 1, "minute": 54}
